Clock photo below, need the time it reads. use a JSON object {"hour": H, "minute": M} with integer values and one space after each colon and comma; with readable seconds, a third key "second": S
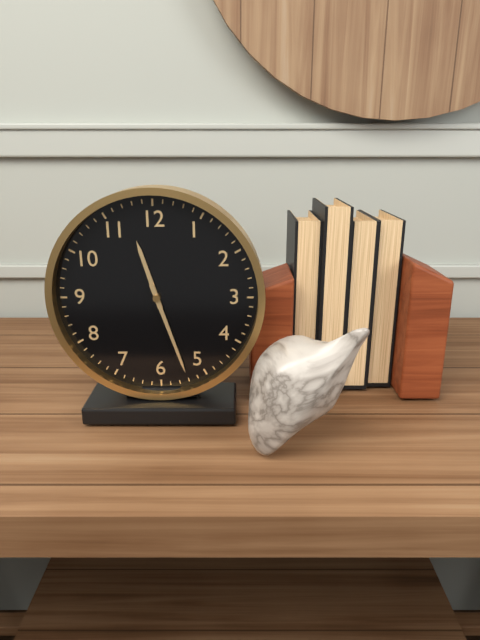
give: {"hour": 11, "minute": 27}
